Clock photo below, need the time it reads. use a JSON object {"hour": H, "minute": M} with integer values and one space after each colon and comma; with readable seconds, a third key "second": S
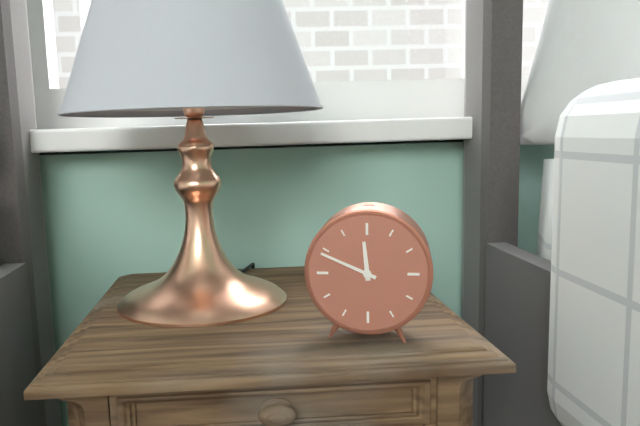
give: {"hour": 11, "minute": 49}
